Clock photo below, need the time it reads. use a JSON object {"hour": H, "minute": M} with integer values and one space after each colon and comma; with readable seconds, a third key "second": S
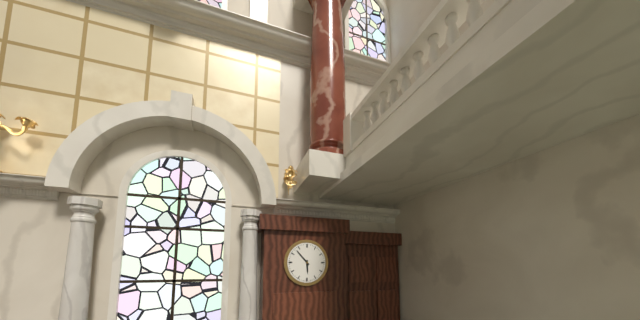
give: {"hour": 5, "minute": 53}
